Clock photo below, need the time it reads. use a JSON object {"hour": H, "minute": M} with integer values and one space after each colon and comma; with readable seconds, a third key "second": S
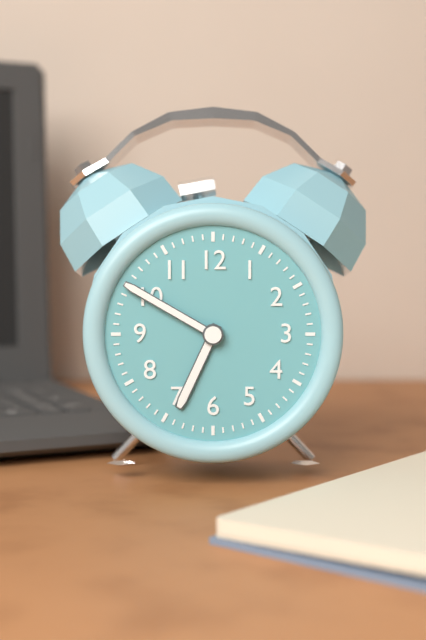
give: {"hour": 6, "minute": 50}
